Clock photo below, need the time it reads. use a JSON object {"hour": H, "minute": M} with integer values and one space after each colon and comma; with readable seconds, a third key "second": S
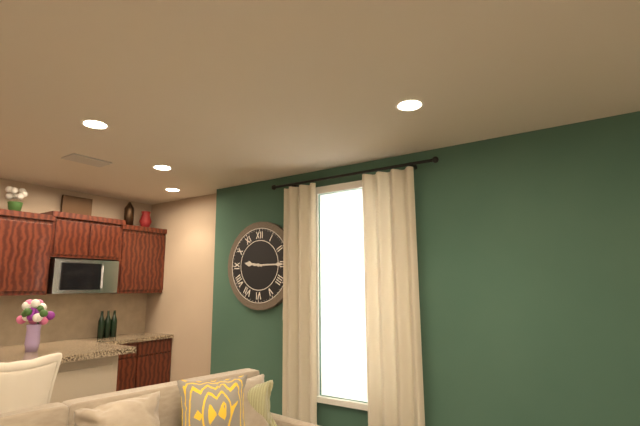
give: {"hour": 9, "minute": 15}
